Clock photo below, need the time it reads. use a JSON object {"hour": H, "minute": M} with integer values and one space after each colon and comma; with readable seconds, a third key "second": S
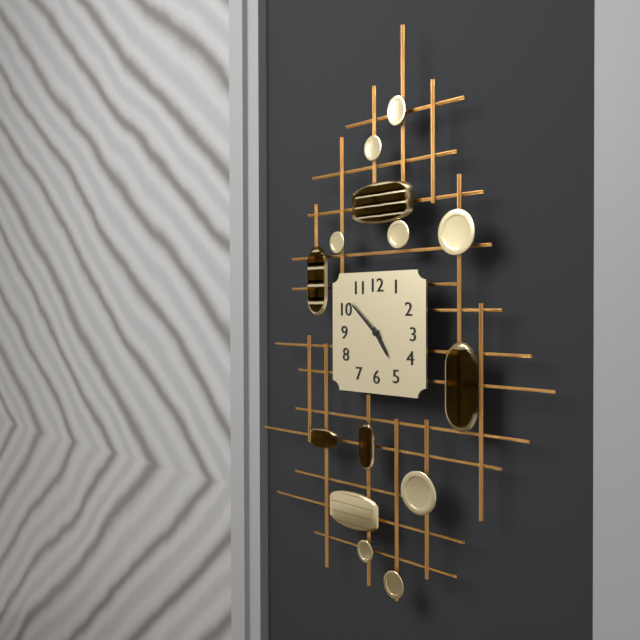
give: {"hour": 4, "minute": 52}
